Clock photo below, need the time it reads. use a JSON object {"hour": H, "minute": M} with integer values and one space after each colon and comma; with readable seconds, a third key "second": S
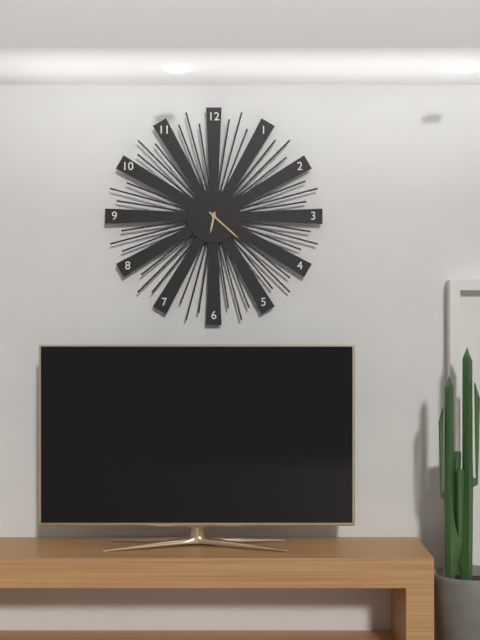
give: {"hour": 6, "minute": 22}
